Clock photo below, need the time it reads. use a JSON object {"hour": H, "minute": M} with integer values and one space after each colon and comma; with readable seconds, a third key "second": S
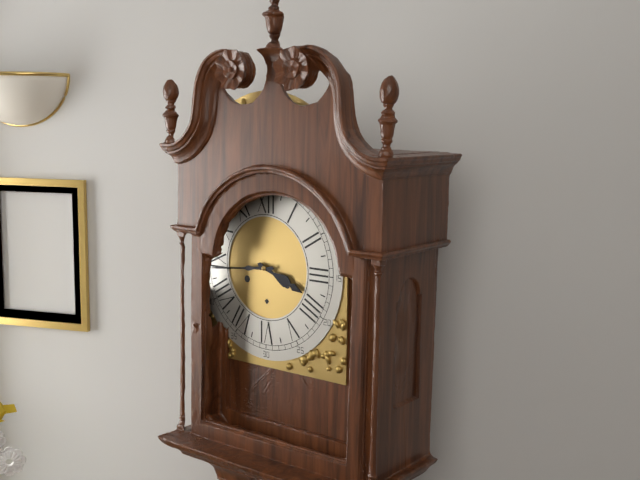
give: {"hour": 3, "minute": 44}
